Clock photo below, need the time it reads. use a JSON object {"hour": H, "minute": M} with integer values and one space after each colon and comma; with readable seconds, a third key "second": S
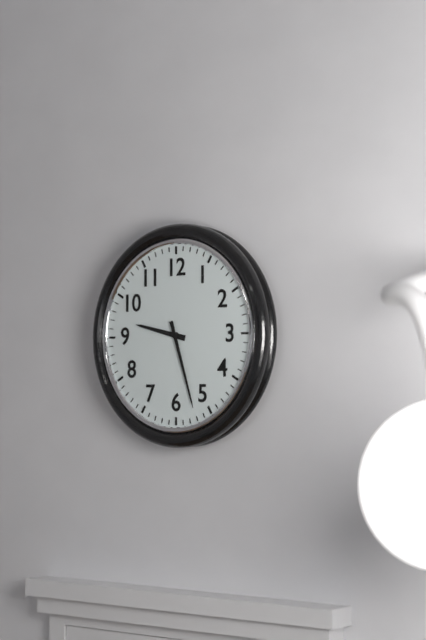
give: {"hour": 9, "minute": 27}
